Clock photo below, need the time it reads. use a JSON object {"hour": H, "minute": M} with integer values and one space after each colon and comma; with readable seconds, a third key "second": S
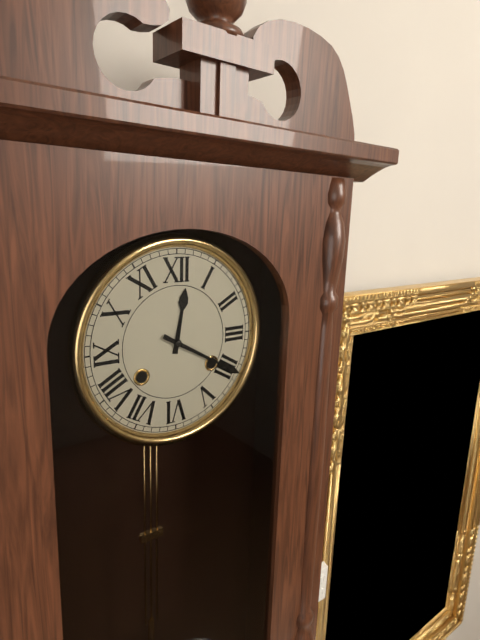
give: {"hour": 12, "minute": 20}
